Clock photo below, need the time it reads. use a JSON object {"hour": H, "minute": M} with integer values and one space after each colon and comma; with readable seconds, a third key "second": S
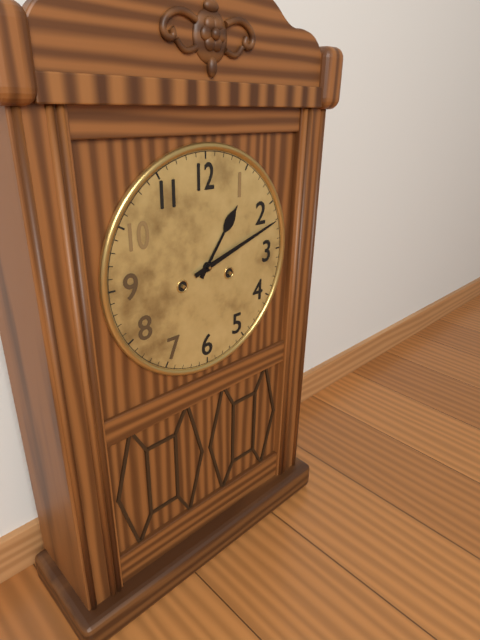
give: {"hour": 1, "minute": 12}
